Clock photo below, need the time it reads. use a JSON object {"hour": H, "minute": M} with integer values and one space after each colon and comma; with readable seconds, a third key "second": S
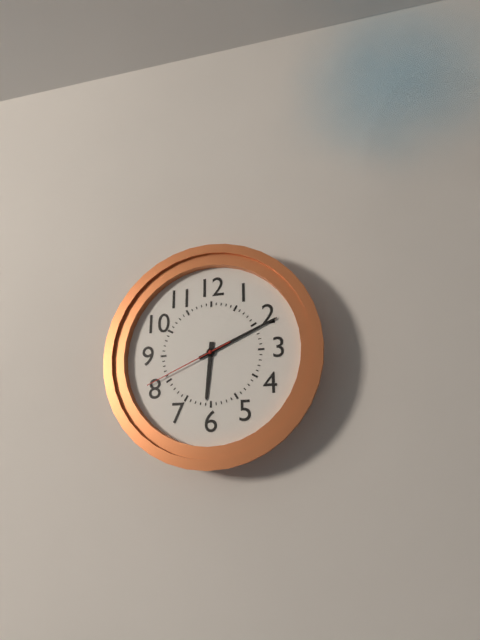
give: {"hour": 6, "minute": 11, "second": 41}
